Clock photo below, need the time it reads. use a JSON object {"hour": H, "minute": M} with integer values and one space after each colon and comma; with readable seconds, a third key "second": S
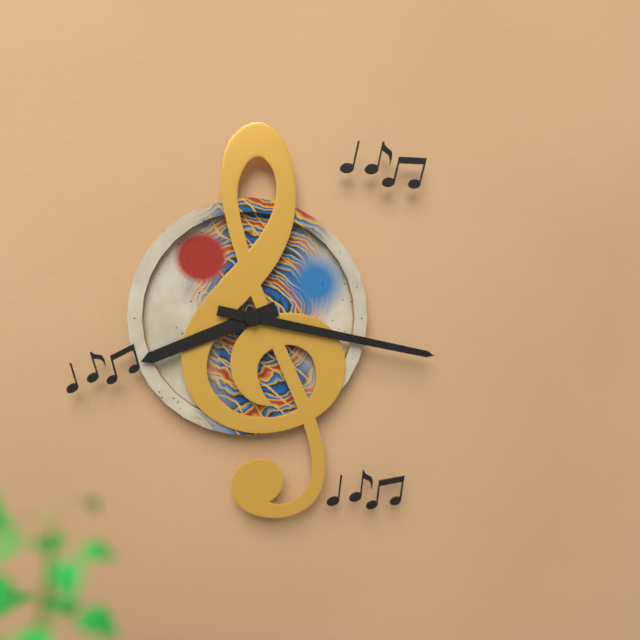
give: {"hour": 8, "minute": 17}
